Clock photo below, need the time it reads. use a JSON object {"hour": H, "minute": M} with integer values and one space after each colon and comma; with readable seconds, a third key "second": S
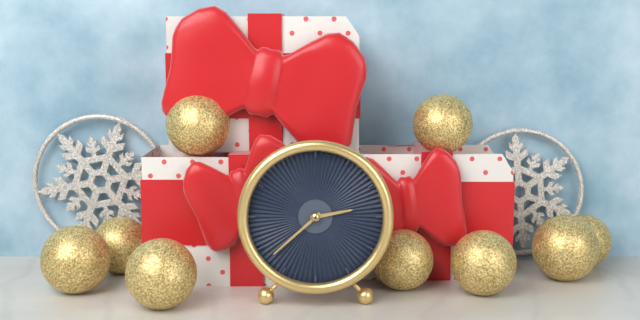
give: {"hour": 2, "minute": 38}
